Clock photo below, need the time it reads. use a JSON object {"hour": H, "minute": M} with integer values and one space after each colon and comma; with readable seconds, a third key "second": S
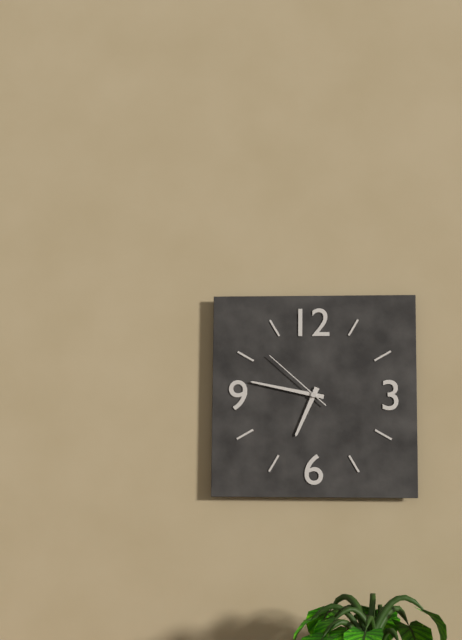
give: {"hour": 6, "minute": 47, "second": 52}
